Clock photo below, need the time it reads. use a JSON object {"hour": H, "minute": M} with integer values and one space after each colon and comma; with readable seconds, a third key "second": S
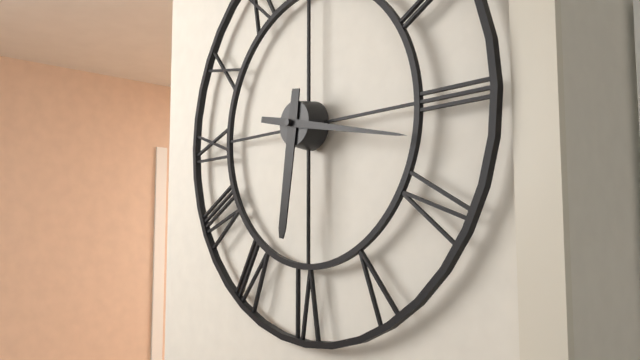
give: {"hour": 6, "minute": 17}
